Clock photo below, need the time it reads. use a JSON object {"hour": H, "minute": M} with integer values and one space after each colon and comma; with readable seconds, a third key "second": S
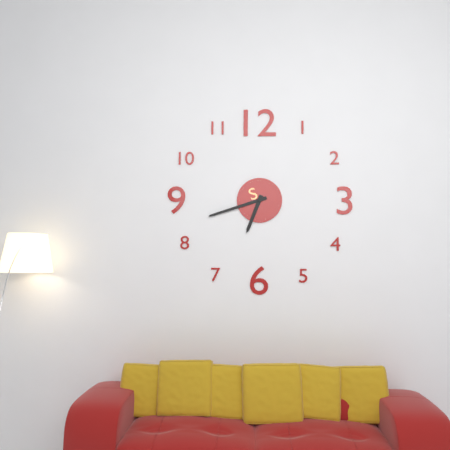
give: {"hour": 6, "minute": 42}
